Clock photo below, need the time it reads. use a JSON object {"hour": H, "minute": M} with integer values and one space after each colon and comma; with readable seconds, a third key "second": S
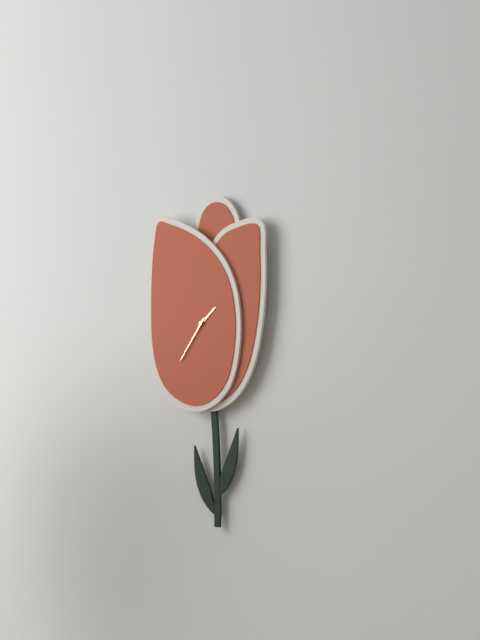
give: {"hour": 1, "minute": 36}
